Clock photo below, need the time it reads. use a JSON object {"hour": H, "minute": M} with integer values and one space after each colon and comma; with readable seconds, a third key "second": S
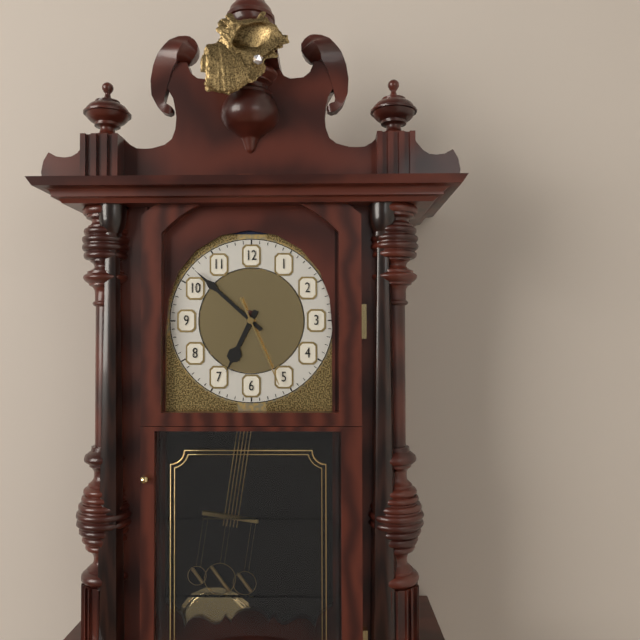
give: {"hour": 6, "minute": 52, "second": 26}
